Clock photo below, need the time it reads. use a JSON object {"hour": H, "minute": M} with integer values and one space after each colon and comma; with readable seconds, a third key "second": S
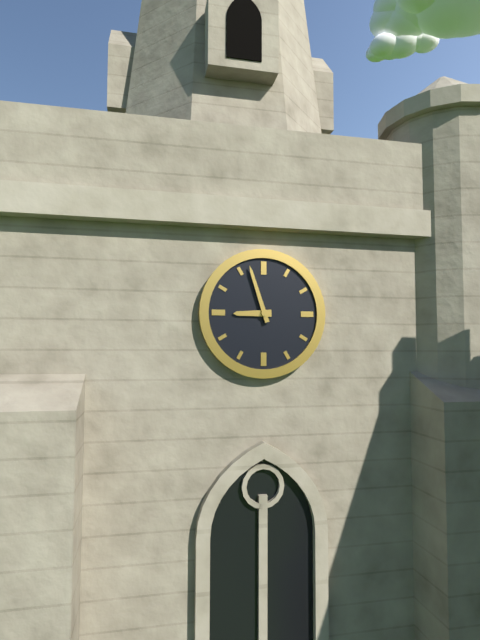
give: {"hour": 8, "minute": 57}
